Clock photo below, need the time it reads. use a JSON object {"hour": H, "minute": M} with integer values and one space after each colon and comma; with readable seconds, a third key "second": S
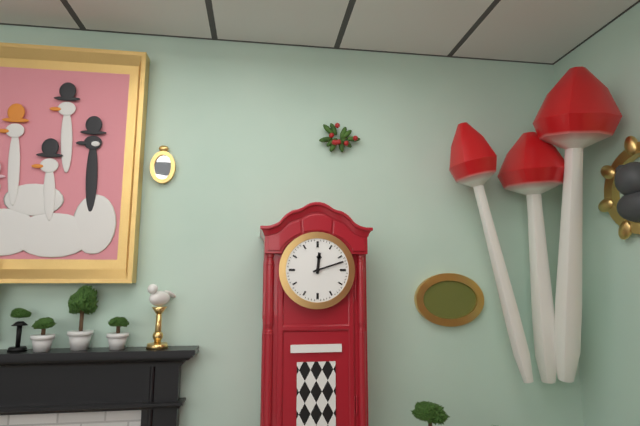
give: {"hour": 12, "minute": 12}
